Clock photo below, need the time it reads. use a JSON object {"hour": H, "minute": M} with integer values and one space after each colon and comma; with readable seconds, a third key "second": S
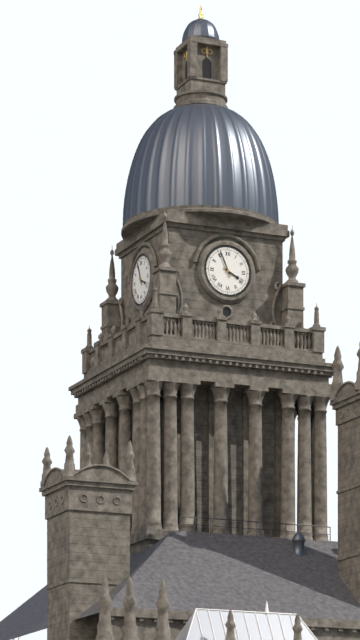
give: {"hour": 3, "minute": 56}
